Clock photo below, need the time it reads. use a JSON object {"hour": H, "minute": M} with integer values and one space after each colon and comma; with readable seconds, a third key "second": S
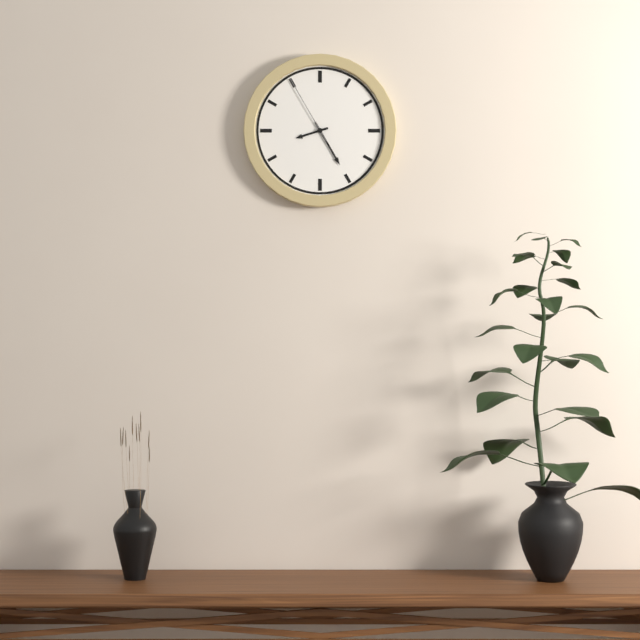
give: {"hour": 8, "minute": 25, "second": 55}
